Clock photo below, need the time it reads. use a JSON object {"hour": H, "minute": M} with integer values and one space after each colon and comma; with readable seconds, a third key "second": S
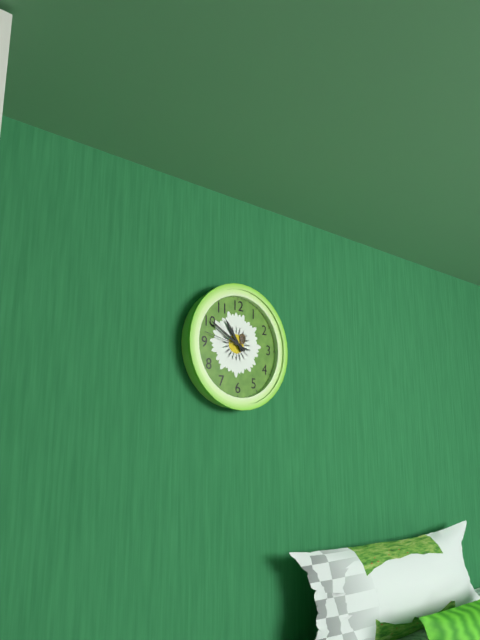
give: {"hour": 10, "minute": 50}
